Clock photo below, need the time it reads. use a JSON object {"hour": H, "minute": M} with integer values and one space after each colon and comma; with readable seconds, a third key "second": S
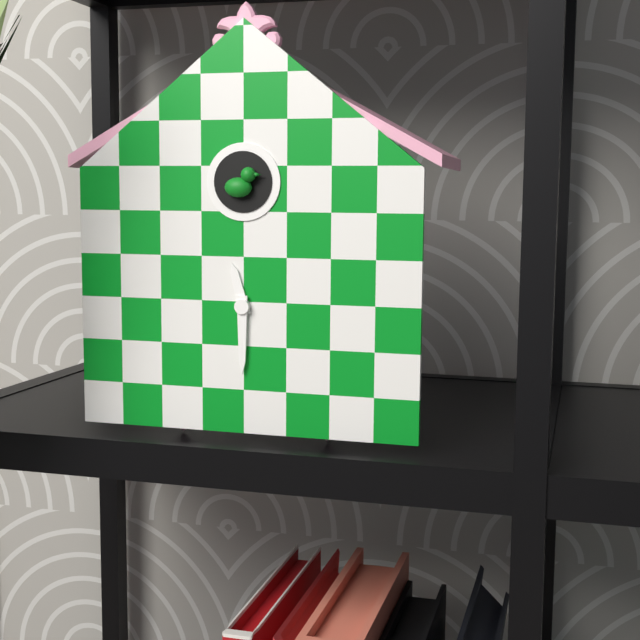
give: {"hour": 11, "minute": 30}
